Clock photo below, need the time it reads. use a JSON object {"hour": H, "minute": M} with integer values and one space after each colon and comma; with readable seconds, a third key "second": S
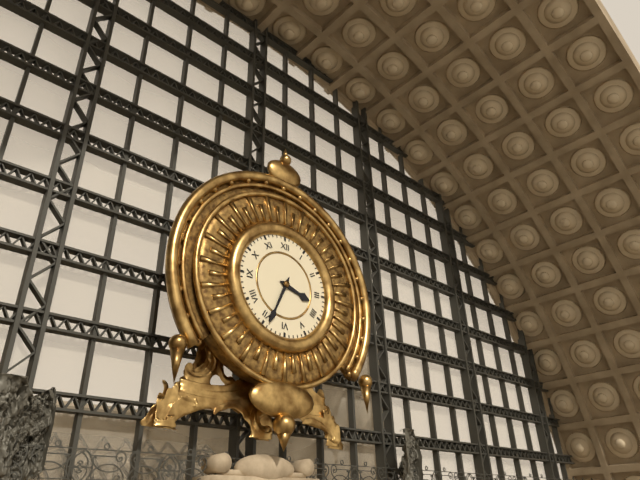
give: {"hour": 3, "minute": 34}
